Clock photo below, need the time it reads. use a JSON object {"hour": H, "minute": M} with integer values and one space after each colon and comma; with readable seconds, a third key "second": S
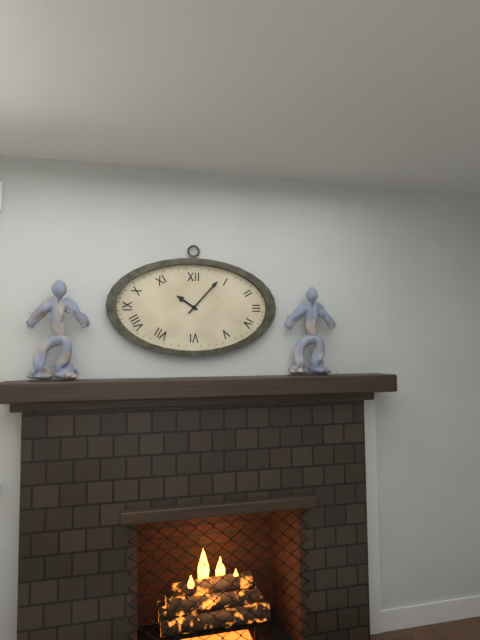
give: {"hour": 10, "minute": 7}
